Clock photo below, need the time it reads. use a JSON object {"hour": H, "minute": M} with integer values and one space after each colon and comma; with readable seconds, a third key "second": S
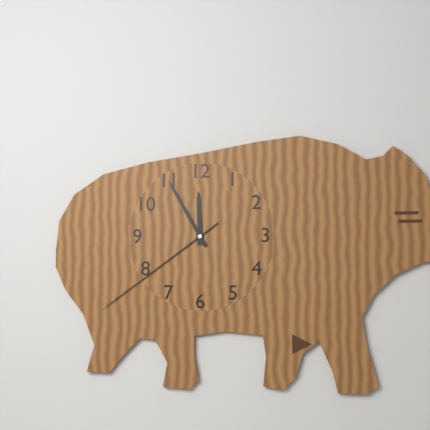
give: {"hour": 11, "minute": 55, "second": 39}
